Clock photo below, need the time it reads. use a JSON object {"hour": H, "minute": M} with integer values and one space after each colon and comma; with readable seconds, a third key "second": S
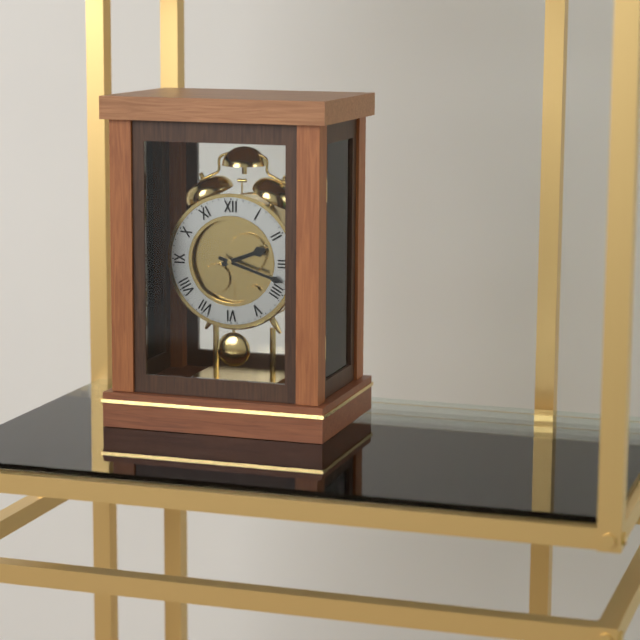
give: {"hour": 2, "minute": 18}
